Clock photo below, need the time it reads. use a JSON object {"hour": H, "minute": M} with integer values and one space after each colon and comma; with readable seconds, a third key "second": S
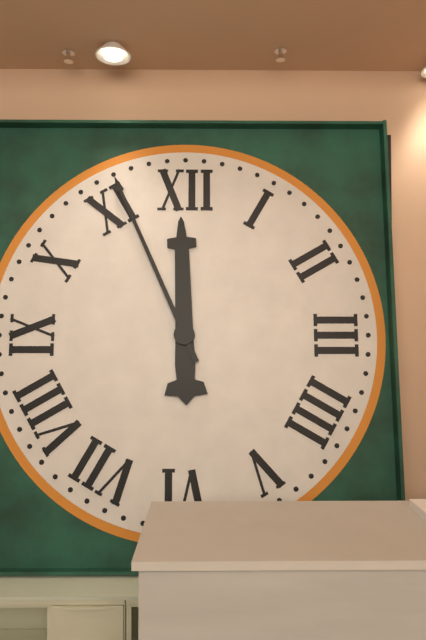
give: {"hour": 11, "minute": 56}
